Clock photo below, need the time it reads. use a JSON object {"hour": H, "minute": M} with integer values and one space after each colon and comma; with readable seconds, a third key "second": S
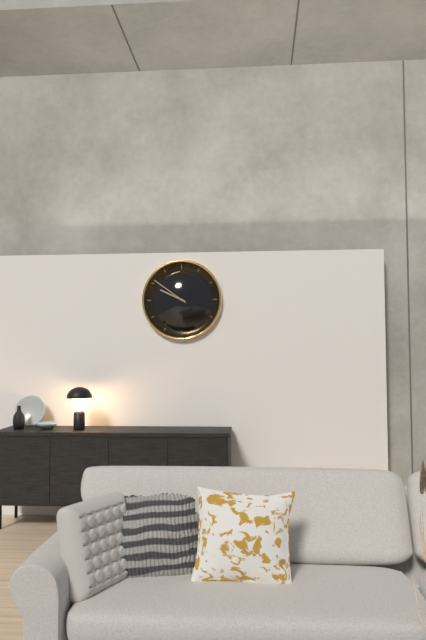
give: {"hour": 9, "minute": 51}
